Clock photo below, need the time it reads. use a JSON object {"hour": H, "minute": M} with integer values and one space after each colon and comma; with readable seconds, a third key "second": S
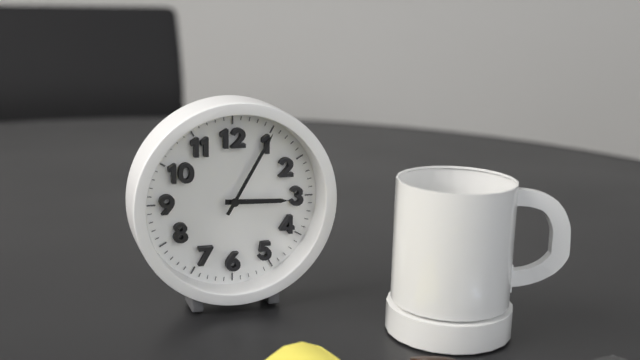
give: {"hour": 3, "minute": 5}
